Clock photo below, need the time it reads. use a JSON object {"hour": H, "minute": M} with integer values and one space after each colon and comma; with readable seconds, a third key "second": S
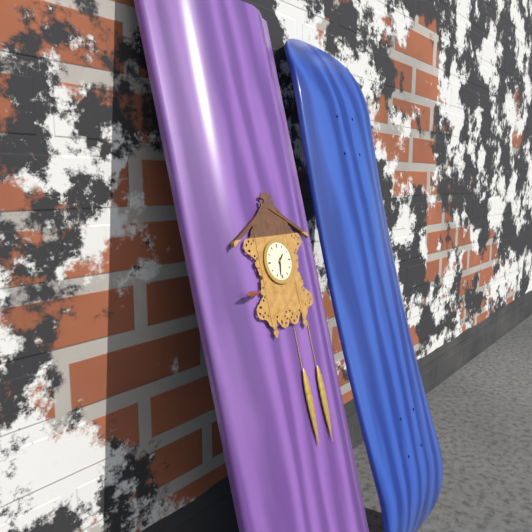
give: {"hour": 1, "minute": 32}
